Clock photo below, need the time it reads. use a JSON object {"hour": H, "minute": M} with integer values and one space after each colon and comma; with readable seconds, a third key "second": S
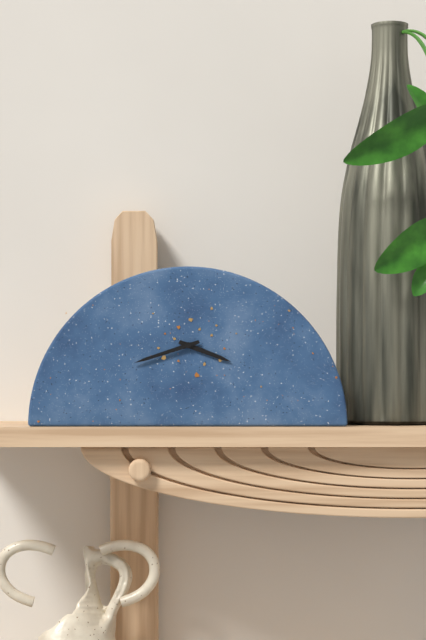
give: {"hour": 3, "minute": 42}
